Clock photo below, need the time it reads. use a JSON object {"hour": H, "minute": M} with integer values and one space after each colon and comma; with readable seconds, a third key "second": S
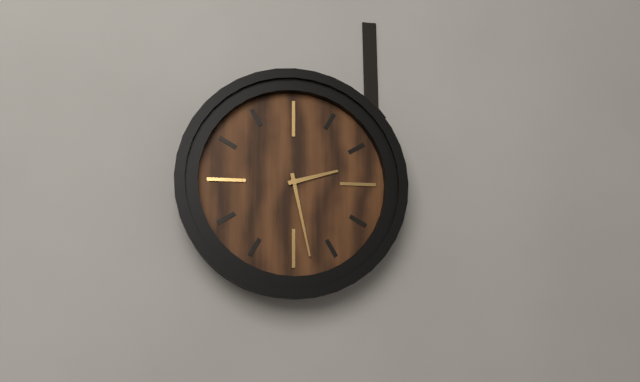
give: {"hour": 2, "minute": 28}
